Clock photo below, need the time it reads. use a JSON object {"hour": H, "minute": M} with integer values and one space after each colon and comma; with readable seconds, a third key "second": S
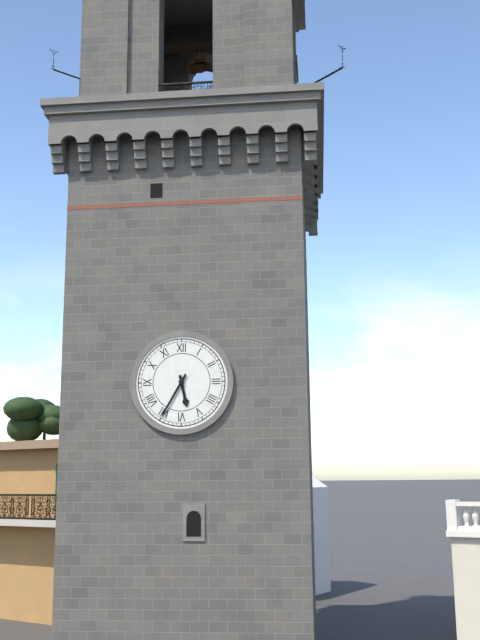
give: {"hour": 5, "minute": 35}
